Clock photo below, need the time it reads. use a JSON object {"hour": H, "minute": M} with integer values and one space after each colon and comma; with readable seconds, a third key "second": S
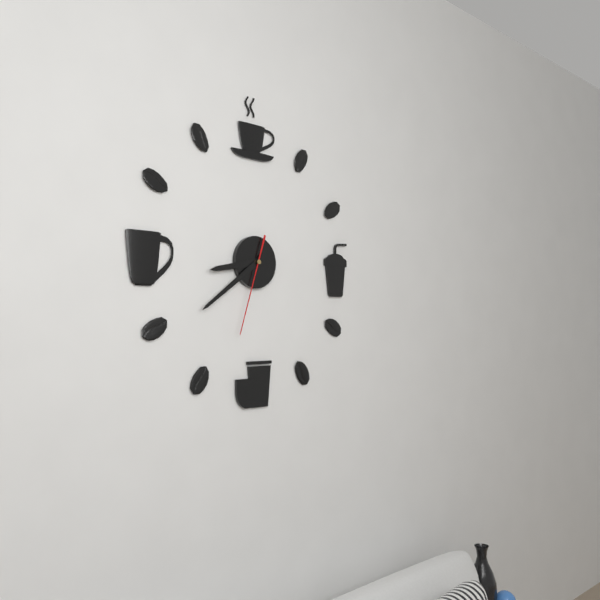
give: {"hour": 8, "minute": 39, "second": 33}
